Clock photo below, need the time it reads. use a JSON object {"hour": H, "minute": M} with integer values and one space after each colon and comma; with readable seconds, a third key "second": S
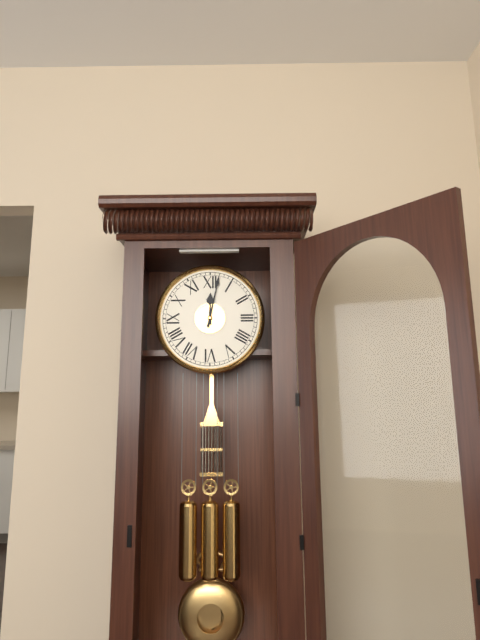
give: {"hour": 12, "minute": 2}
